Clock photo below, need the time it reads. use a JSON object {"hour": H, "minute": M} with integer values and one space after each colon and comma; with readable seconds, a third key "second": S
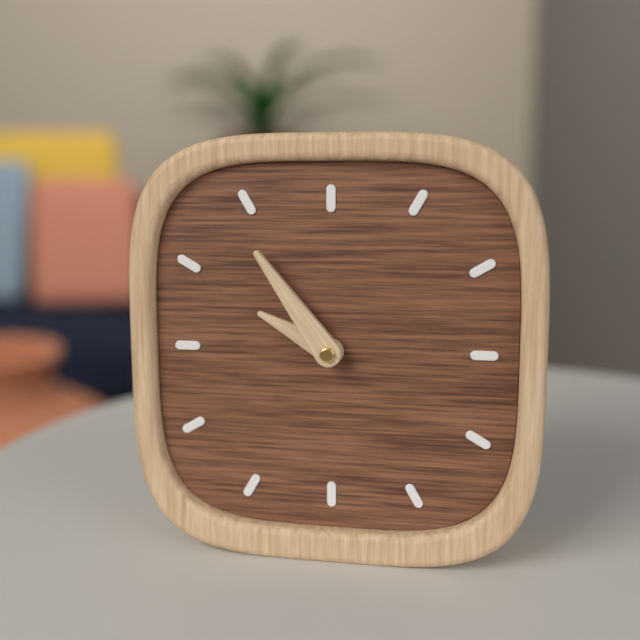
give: {"hour": 9, "minute": 54}
